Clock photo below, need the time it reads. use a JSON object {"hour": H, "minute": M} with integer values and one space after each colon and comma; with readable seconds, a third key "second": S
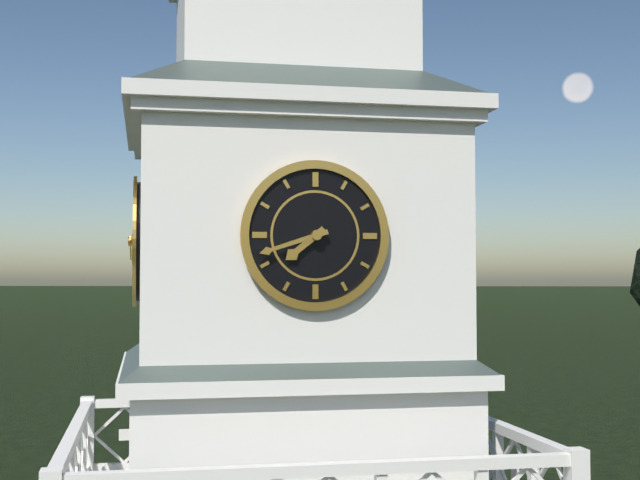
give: {"hour": 7, "minute": 42}
